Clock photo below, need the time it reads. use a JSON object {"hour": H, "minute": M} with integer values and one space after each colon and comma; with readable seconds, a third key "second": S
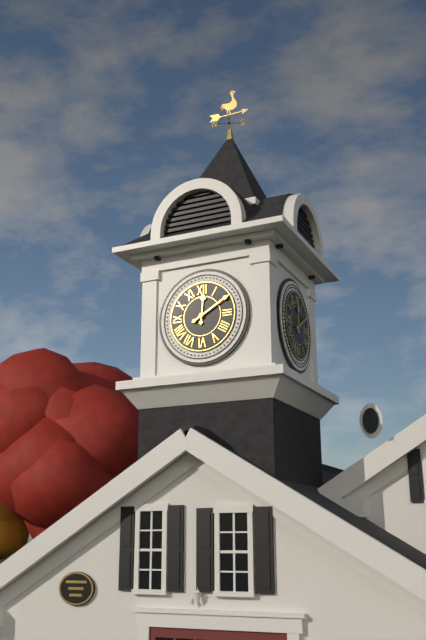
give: {"hour": 12, "minute": 10}
